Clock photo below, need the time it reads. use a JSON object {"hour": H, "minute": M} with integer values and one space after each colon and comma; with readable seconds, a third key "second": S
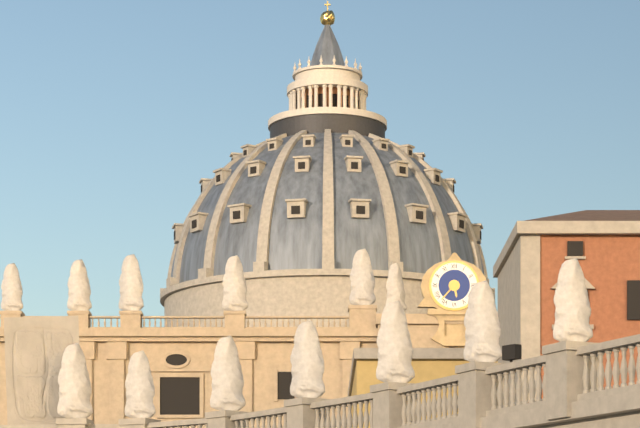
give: {"hour": 5, "minute": 37}
